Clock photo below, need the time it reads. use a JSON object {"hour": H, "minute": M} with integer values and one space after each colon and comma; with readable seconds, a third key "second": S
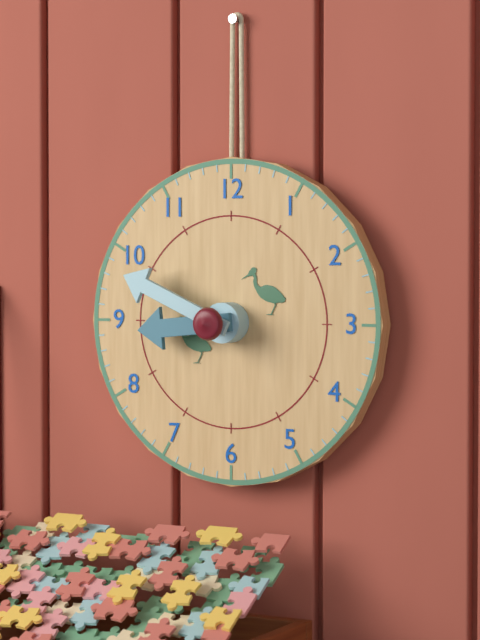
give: {"hour": 8, "minute": 49}
